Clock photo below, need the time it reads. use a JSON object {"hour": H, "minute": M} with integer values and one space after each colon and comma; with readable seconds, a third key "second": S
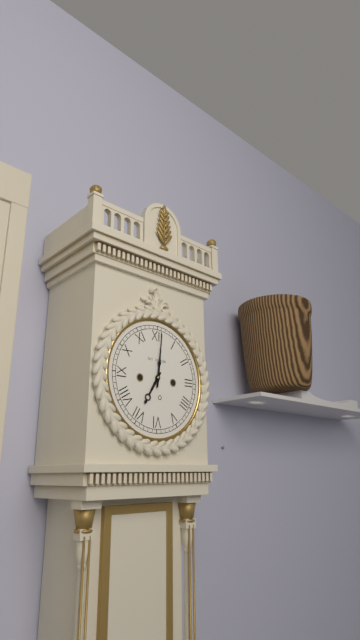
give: {"hour": 7, "minute": 1}
